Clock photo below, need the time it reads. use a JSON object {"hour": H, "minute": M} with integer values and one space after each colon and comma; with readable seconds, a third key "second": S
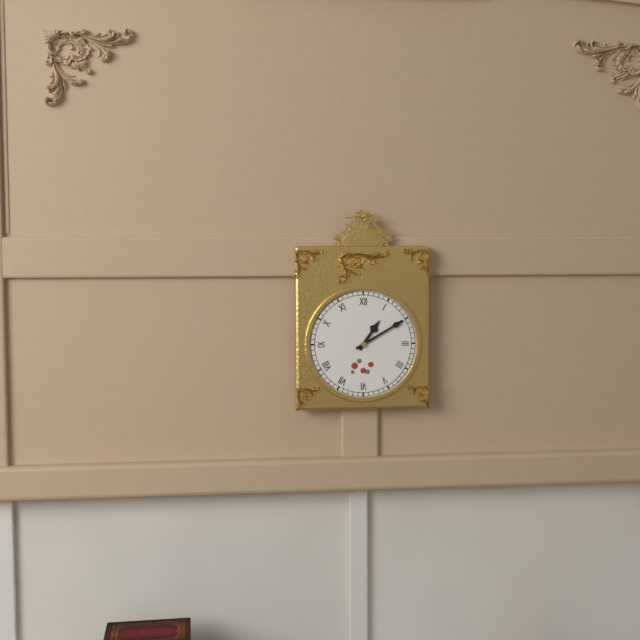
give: {"hour": 1, "minute": 10}
